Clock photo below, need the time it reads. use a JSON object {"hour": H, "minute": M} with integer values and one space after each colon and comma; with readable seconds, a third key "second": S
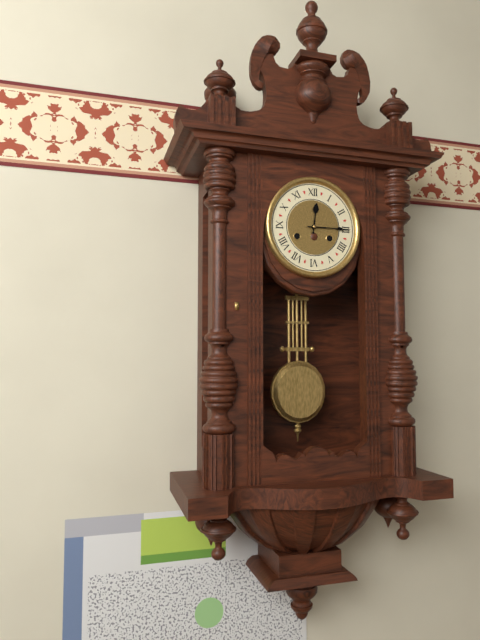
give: {"hour": 12, "minute": 15}
